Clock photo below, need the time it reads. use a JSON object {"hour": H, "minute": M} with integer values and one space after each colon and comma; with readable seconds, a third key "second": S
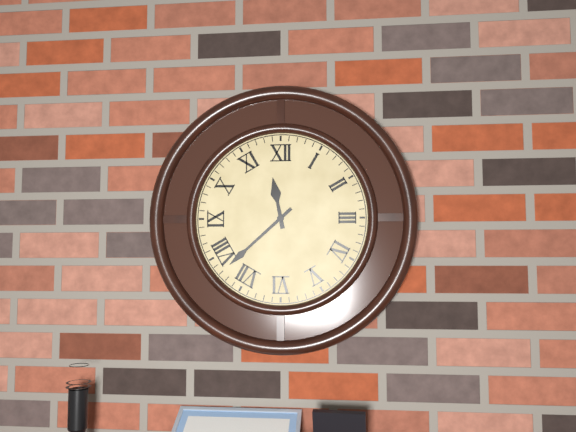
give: {"hour": 11, "minute": 38}
